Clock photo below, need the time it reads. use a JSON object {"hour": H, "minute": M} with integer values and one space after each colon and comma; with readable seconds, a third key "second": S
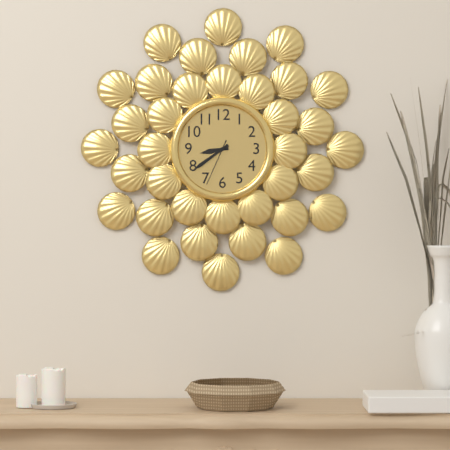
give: {"hour": 8, "minute": 39}
